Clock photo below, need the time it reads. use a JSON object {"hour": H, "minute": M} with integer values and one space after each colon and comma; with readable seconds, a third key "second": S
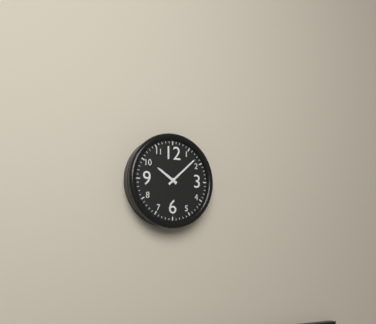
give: {"hour": 10, "minute": 8}
